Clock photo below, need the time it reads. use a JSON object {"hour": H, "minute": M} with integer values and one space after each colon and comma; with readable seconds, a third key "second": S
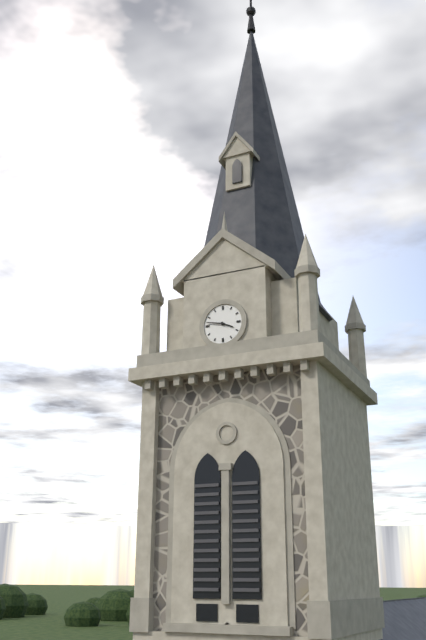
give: {"hour": 3, "minute": 47}
